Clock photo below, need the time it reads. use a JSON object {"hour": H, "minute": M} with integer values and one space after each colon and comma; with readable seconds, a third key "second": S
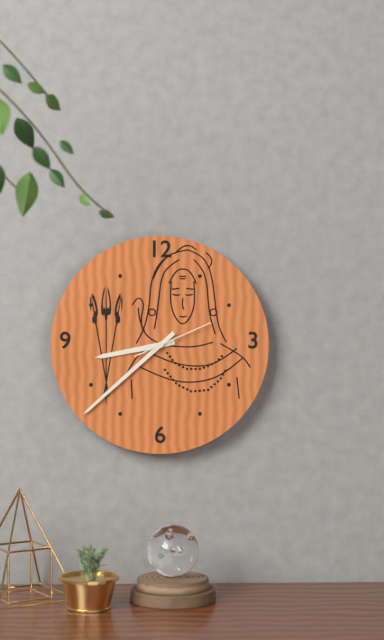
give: {"hour": 8, "minute": 38, "second": 11}
